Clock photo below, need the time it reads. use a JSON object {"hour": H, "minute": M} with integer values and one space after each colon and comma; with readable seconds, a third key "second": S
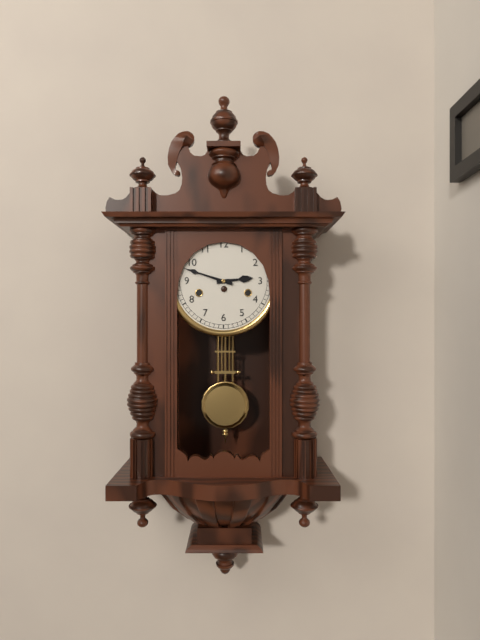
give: {"hour": 2, "minute": 48}
